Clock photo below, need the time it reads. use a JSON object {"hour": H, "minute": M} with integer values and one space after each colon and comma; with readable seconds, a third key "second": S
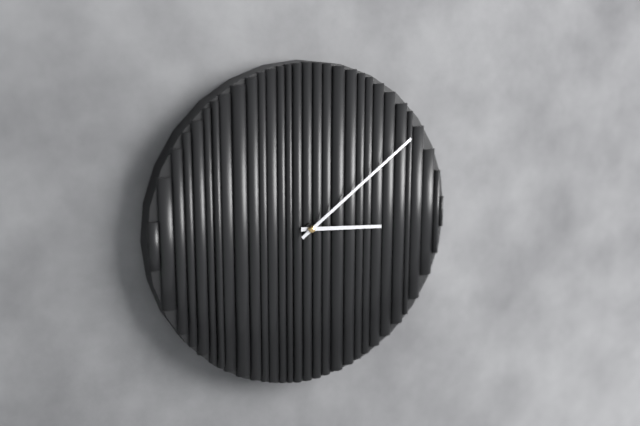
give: {"hour": 3, "minute": 9}
